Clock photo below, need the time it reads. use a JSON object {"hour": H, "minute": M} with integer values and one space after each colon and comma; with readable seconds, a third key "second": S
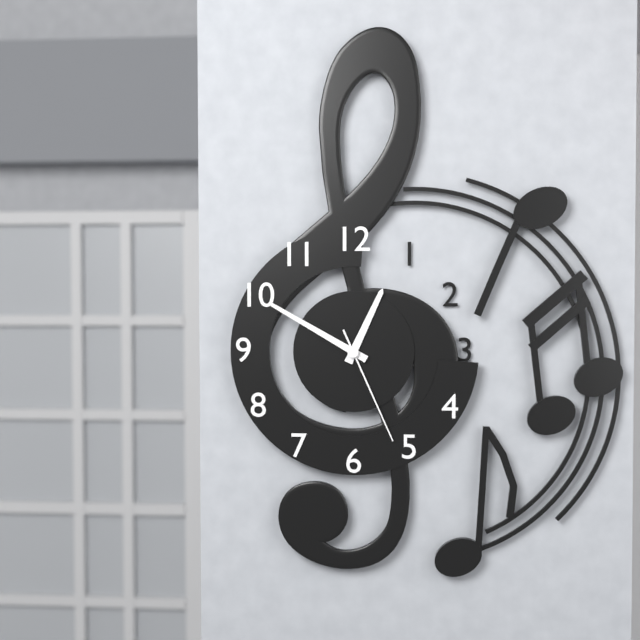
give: {"hour": 12, "minute": 50, "second": 26}
